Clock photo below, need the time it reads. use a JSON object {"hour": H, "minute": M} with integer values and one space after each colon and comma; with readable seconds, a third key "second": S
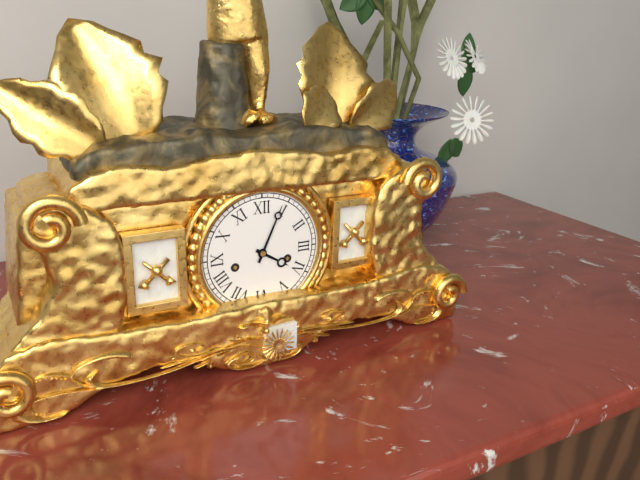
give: {"hour": 4, "minute": 4}
